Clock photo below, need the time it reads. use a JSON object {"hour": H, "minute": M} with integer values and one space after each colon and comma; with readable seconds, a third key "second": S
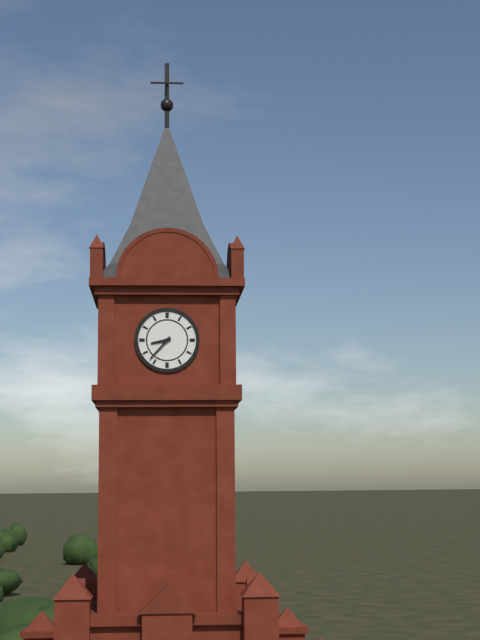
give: {"hour": 8, "minute": 37}
